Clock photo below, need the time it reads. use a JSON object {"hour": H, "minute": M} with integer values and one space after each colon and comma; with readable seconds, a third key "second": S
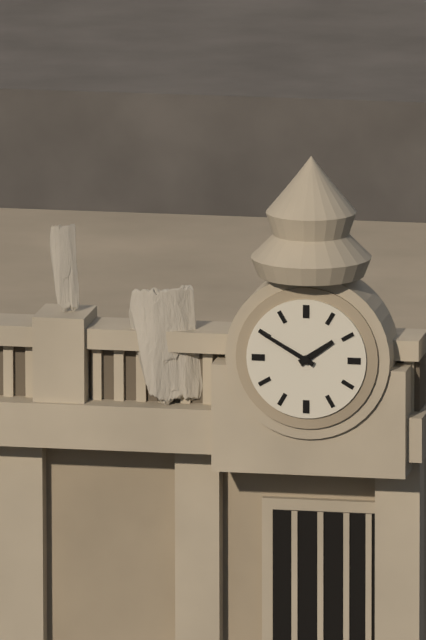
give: {"hour": 1, "minute": 50}
